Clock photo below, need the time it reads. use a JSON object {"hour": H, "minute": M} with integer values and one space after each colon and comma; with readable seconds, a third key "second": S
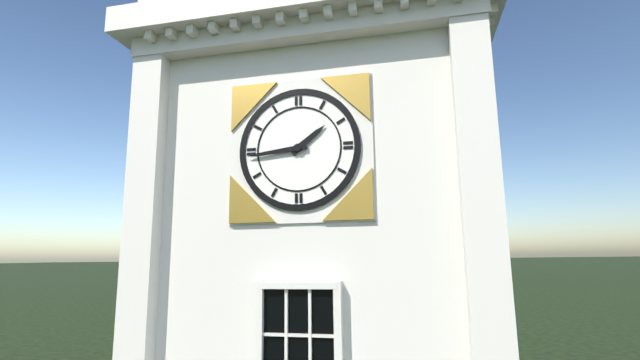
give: {"hour": 1, "minute": 44}
